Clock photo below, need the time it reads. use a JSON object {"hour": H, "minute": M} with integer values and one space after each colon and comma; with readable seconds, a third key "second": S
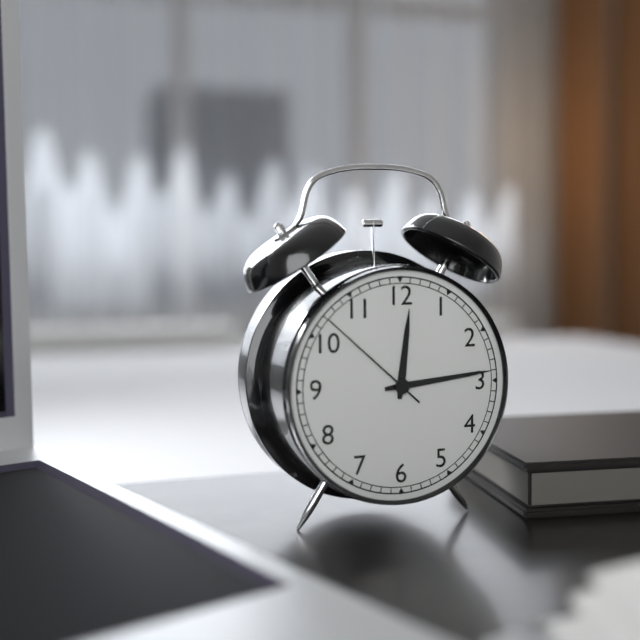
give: {"hour": 12, "minute": 14, "second": 52}
